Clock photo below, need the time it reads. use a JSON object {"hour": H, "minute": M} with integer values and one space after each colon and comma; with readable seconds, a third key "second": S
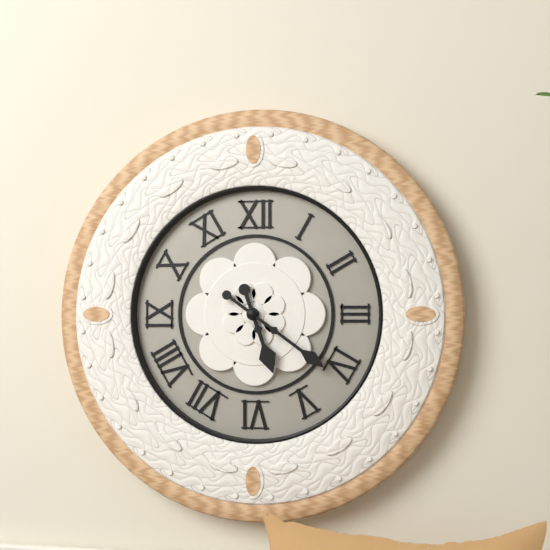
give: {"hour": 5, "minute": 21}
